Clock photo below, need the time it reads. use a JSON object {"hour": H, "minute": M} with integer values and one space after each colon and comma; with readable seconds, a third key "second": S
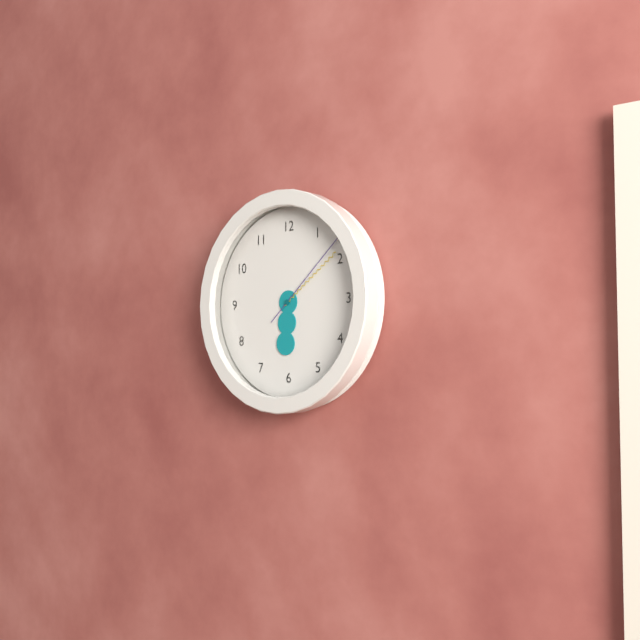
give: {"hour": 6, "minute": 9, "second": 8}
